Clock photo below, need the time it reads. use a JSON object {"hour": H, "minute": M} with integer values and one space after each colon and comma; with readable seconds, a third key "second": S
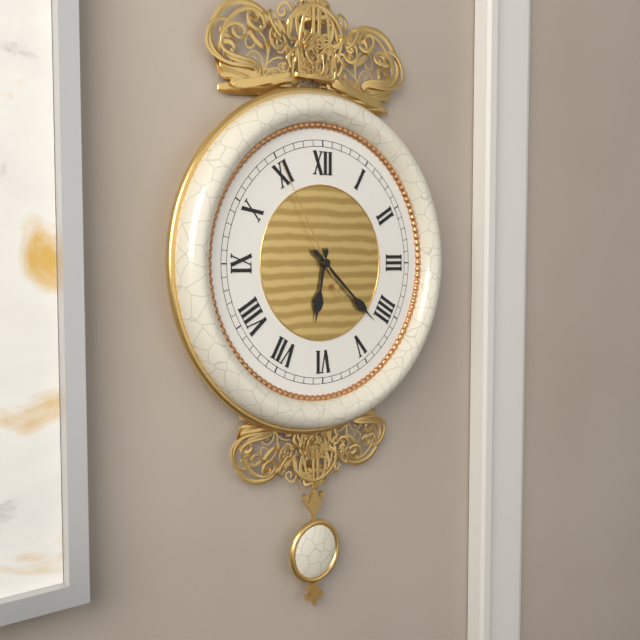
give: {"hour": 6, "minute": 22, "second": 55}
